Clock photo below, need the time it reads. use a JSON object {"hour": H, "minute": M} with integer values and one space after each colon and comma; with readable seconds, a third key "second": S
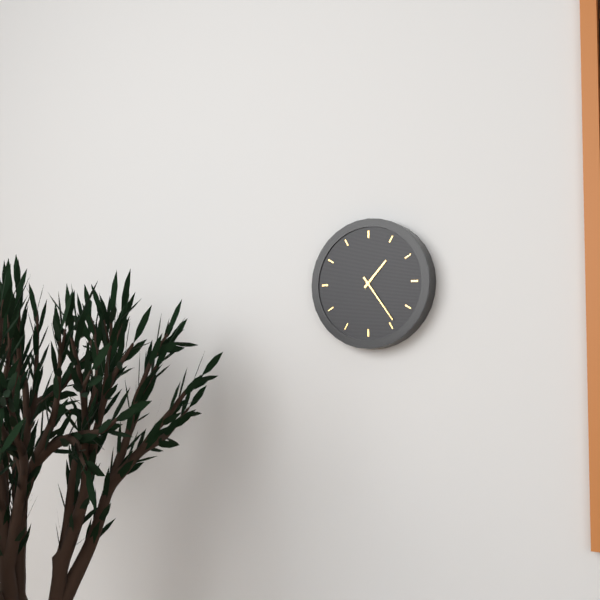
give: {"hour": 1, "minute": 24}
